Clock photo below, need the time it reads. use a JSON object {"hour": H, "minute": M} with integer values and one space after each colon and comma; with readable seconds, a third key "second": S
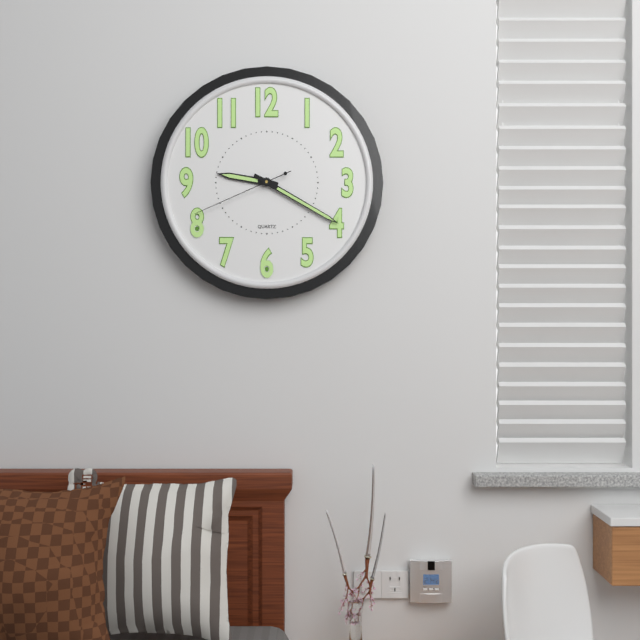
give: {"hour": 9, "minute": 20, "second": 41}
